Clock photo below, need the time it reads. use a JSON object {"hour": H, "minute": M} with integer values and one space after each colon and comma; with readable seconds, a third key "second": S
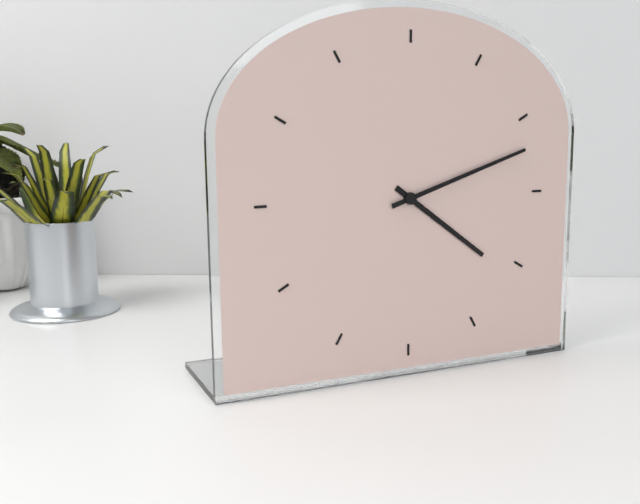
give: {"hour": 4, "minute": 12}
